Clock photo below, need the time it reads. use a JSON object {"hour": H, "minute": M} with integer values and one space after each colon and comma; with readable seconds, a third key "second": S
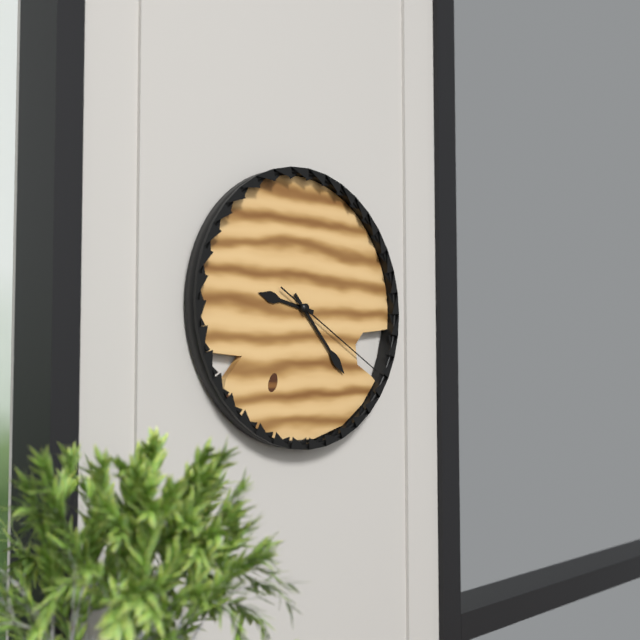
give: {"hour": 9, "minute": 23, "second": 20}
